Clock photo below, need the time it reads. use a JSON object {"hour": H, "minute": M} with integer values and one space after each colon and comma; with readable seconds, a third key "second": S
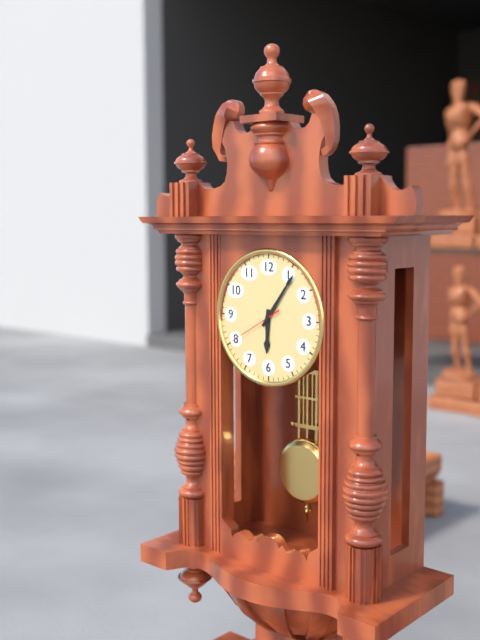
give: {"hour": 6, "minute": 6, "second": 40}
